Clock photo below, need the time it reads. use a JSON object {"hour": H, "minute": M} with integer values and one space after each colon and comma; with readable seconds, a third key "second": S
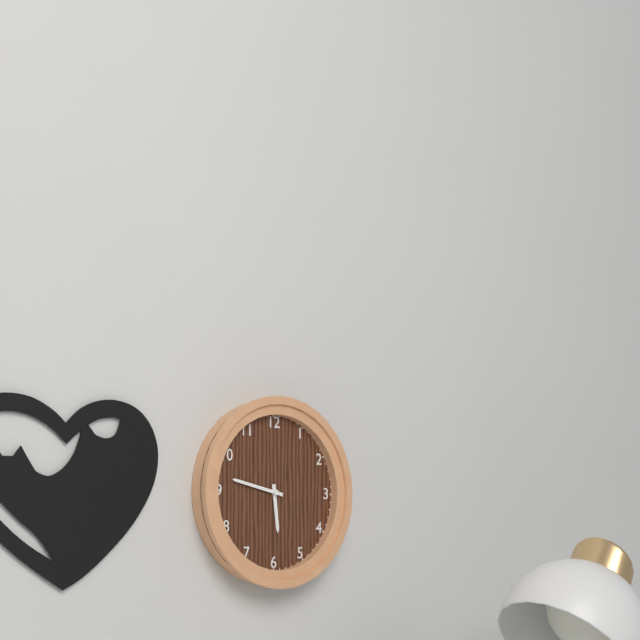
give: {"hour": 5, "minute": 47}
